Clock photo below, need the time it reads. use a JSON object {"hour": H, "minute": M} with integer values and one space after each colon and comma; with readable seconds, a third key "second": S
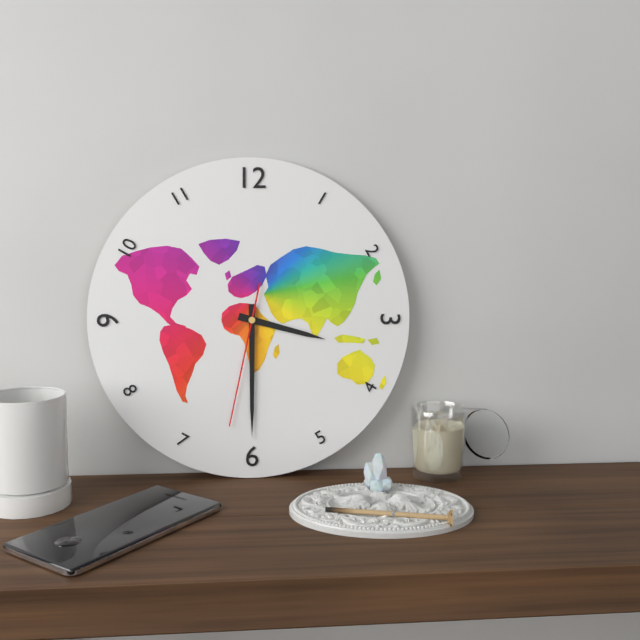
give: {"hour": 3, "minute": 30, "second": 32}
